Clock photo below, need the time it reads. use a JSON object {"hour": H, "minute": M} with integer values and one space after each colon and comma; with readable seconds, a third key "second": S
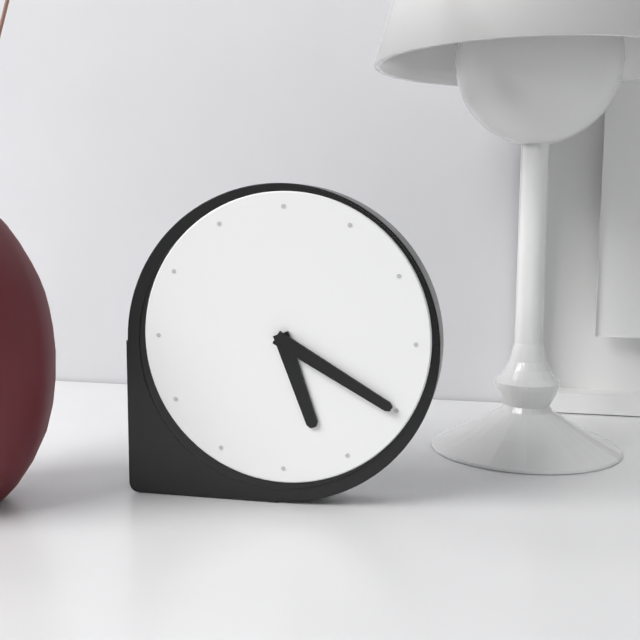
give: {"hour": 5, "minute": 20}
